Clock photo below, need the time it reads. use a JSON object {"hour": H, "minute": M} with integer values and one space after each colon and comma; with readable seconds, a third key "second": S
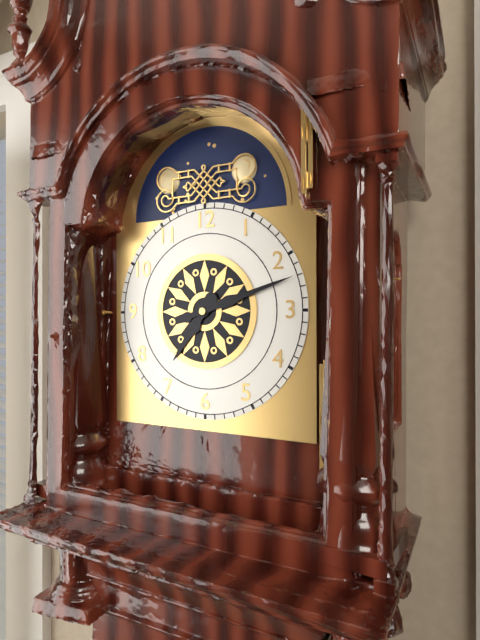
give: {"hour": 7, "minute": 12}
